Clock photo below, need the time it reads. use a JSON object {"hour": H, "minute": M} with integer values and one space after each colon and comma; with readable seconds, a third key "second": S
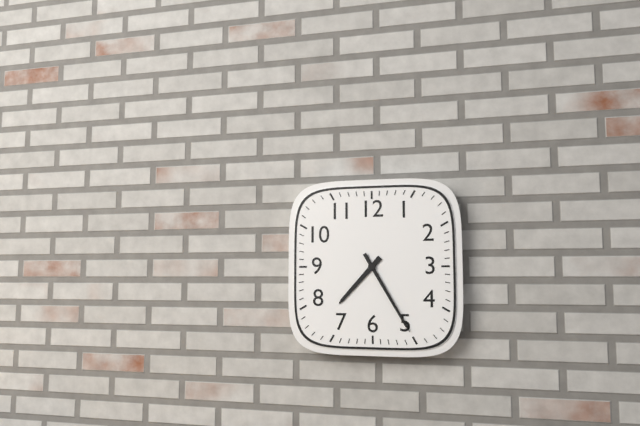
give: {"hour": 7, "minute": 25}
